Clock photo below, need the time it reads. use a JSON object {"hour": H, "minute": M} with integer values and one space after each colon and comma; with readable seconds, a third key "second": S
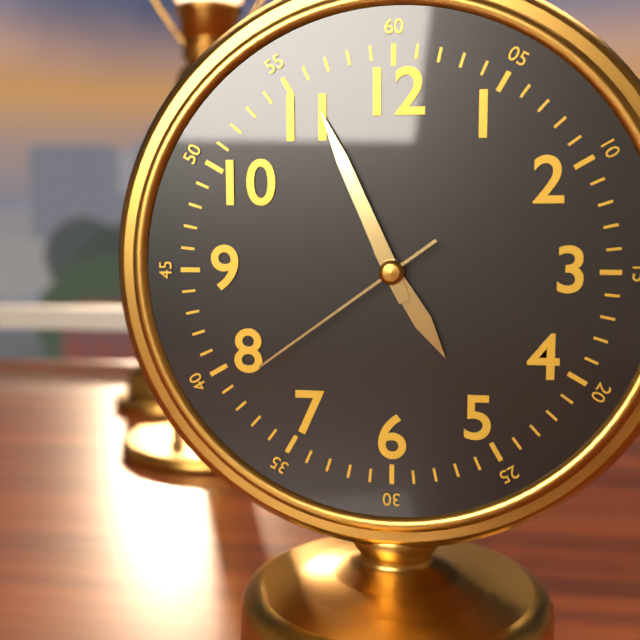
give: {"hour": 4, "minute": 56, "second": 39}
